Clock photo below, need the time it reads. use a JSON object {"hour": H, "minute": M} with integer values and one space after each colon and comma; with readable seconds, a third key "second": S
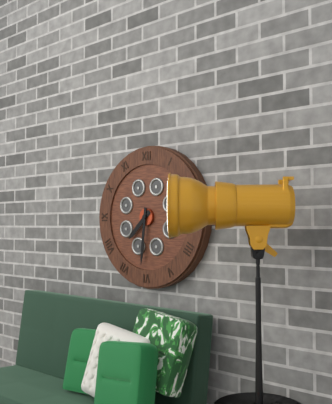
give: {"hour": 7, "minute": 31}
